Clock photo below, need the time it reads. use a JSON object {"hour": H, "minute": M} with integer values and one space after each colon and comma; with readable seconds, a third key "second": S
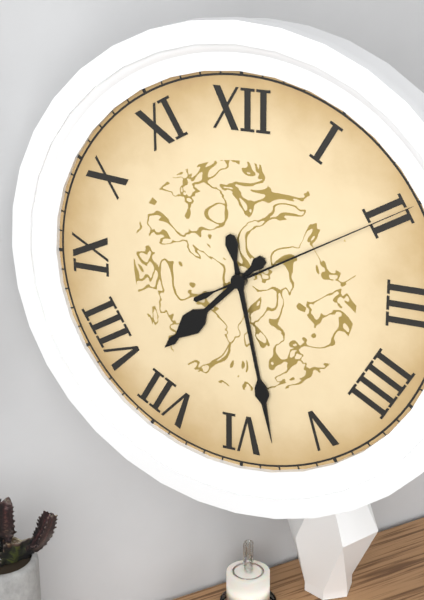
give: {"hour": 7, "minute": 28, "second": 10}
